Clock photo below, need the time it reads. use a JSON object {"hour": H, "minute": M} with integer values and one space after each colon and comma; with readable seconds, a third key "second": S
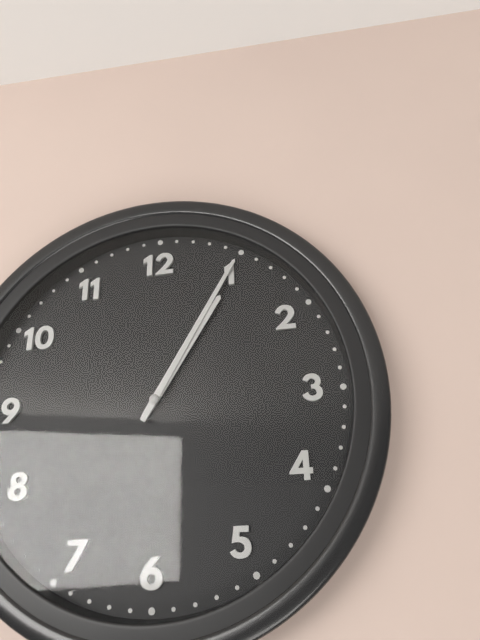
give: {"hour": 1, "minute": 5}
